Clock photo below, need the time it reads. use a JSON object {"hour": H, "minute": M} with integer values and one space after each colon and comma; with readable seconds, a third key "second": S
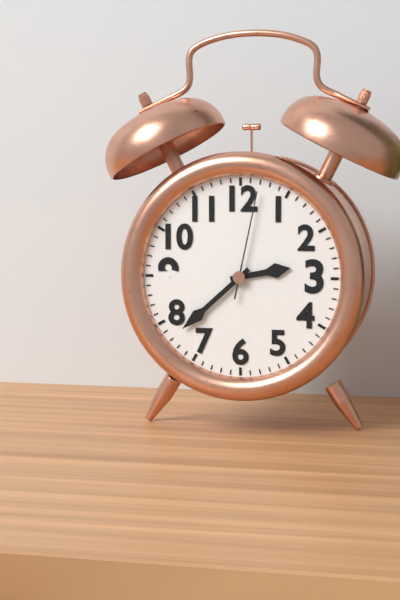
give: {"hour": 2, "minute": 38, "second": 2}
